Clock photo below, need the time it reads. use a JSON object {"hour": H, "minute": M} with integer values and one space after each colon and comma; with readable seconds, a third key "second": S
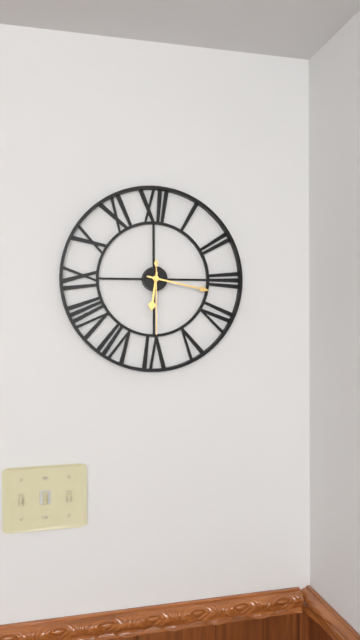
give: {"hour": 6, "minute": 17, "second": 30}
